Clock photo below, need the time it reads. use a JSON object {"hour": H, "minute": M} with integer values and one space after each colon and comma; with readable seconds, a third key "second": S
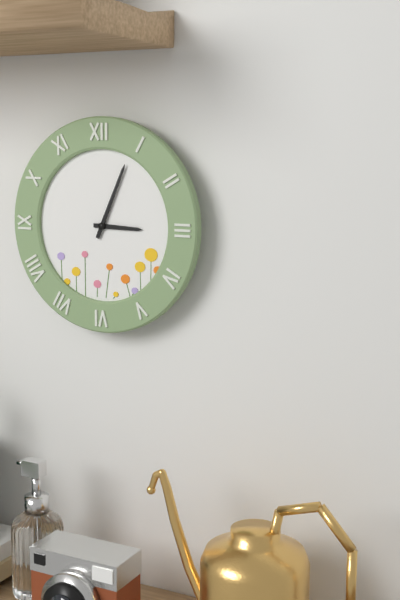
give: {"hour": 3, "minute": 4}
